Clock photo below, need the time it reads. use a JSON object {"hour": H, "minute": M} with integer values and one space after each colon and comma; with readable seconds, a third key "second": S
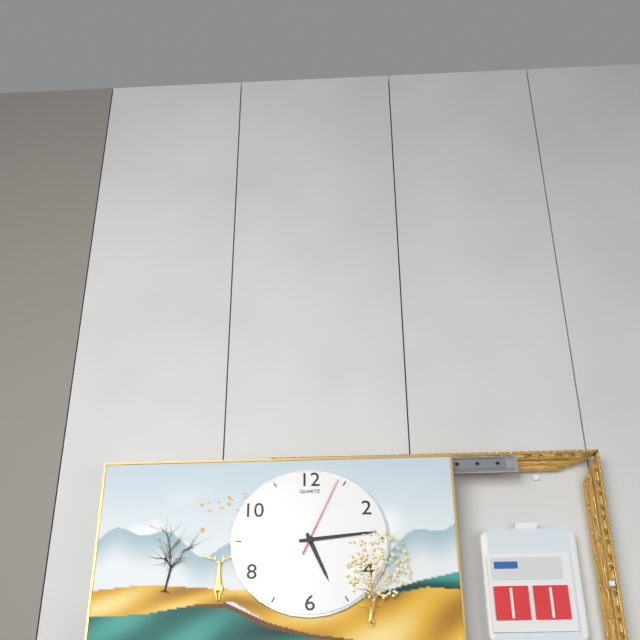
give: {"hour": 5, "minute": 14, "second": 4}
